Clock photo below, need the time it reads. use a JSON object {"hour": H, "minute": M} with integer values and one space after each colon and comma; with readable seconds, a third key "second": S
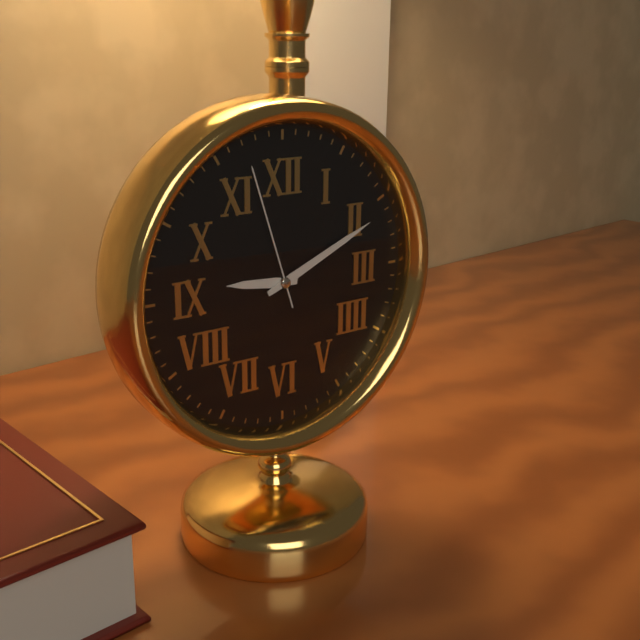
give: {"hour": 9, "minute": 11, "second": 57}
